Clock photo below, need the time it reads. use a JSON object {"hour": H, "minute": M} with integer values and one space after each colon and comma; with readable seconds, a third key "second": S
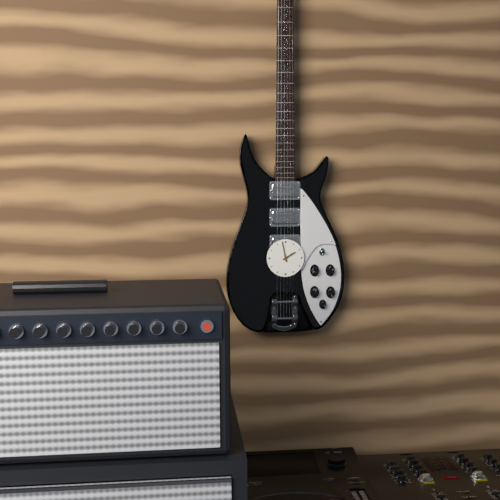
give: {"hour": 1, "minute": 58}
